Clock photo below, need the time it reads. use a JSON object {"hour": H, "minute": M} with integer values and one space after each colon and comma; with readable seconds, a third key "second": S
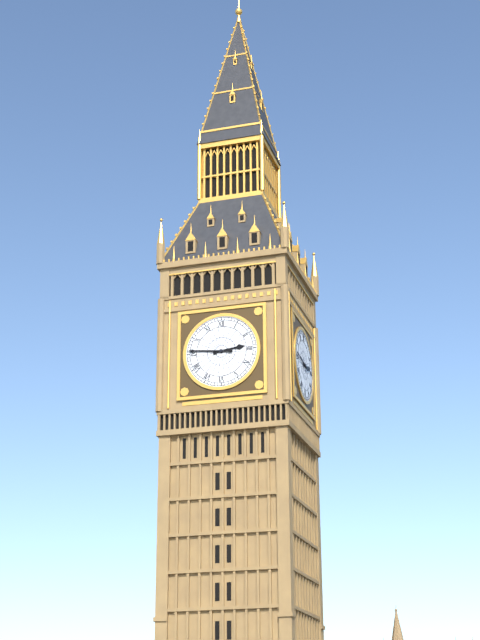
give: {"hour": 2, "minute": 46}
